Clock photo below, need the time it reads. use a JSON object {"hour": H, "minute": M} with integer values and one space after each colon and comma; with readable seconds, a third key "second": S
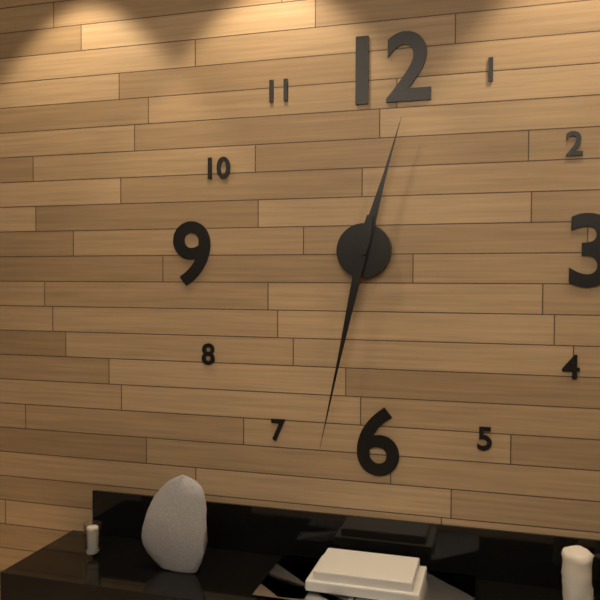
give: {"hour": 12, "minute": 32}
